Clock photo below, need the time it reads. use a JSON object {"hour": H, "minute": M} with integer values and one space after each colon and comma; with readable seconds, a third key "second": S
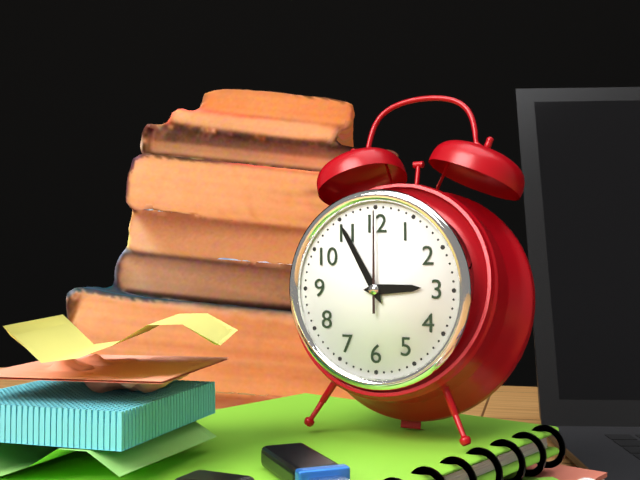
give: {"hour": 2, "minute": 55, "second": 0}
